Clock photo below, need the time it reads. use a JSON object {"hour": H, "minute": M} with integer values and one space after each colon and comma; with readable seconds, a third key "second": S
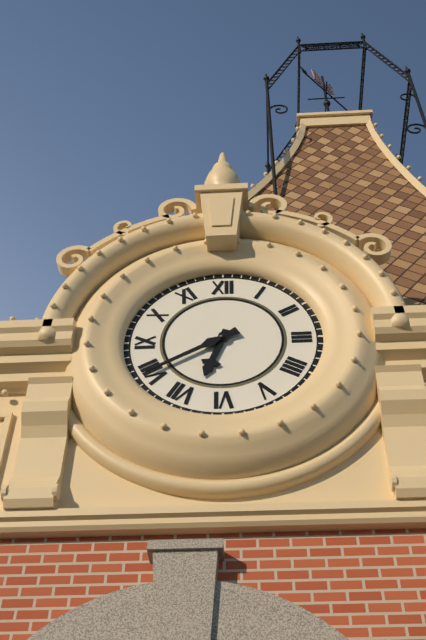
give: {"hour": 6, "minute": 40}
